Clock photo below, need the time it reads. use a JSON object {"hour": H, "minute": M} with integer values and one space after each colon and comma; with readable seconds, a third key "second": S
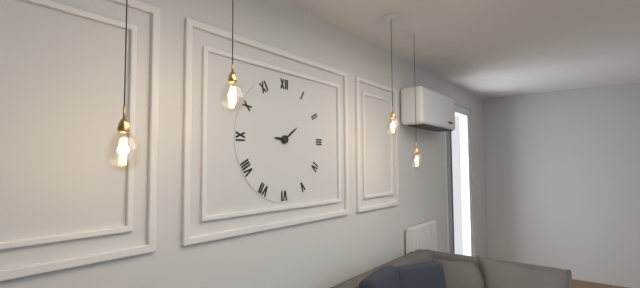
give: {"hour": 9, "minute": 9}
